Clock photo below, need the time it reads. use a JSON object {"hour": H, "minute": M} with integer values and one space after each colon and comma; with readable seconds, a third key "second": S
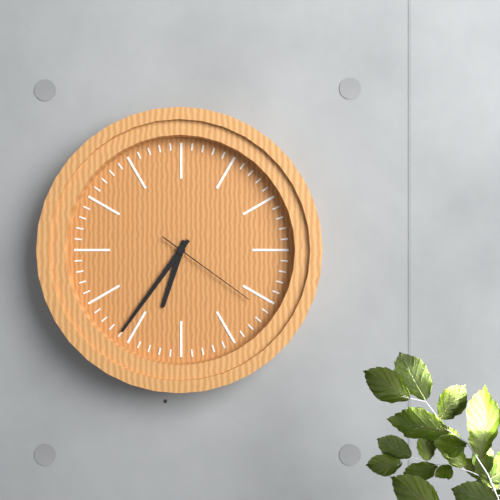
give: {"hour": 6, "minute": 36, "second": 21}
